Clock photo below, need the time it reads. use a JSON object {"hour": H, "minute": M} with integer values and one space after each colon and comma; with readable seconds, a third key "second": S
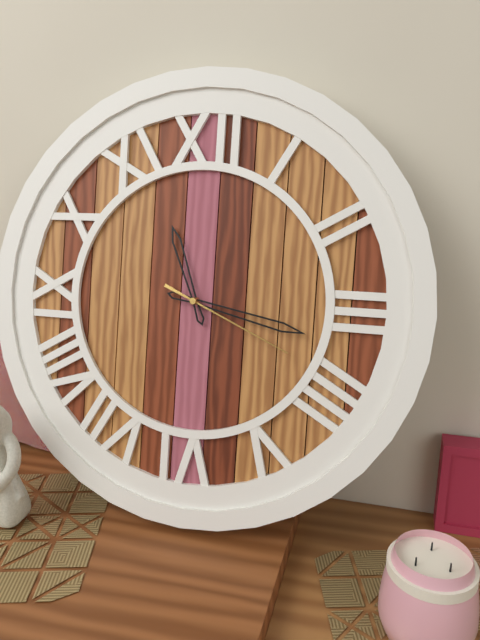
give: {"hour": 11, "minute": 17, "second": 19}
